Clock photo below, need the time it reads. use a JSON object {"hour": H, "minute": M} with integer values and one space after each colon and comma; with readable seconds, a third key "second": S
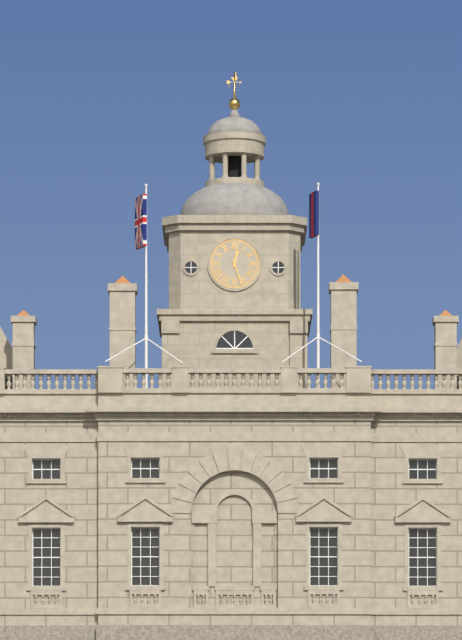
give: {"hour": 12, "minute": 27}
